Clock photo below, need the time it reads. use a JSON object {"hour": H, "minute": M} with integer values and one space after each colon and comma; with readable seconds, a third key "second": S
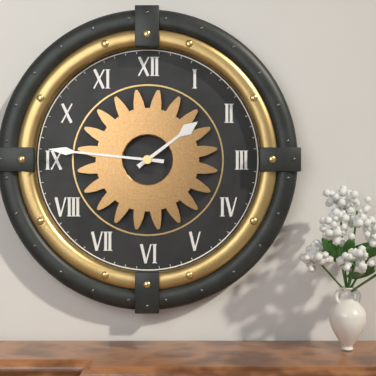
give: {"hour": 1, "minute": 46}
